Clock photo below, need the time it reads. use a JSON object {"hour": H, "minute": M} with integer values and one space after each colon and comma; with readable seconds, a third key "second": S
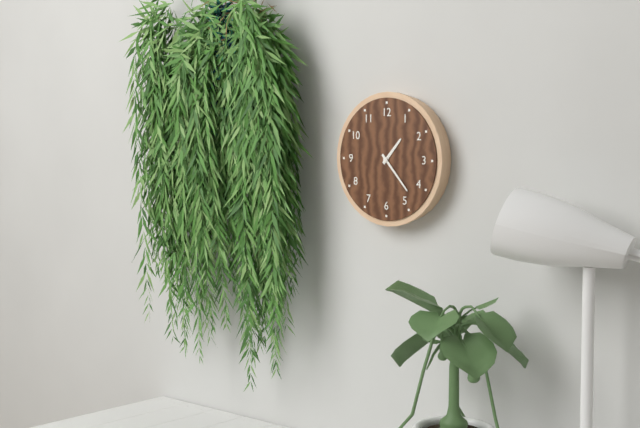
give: {"hour": 1, "minute": 23}
